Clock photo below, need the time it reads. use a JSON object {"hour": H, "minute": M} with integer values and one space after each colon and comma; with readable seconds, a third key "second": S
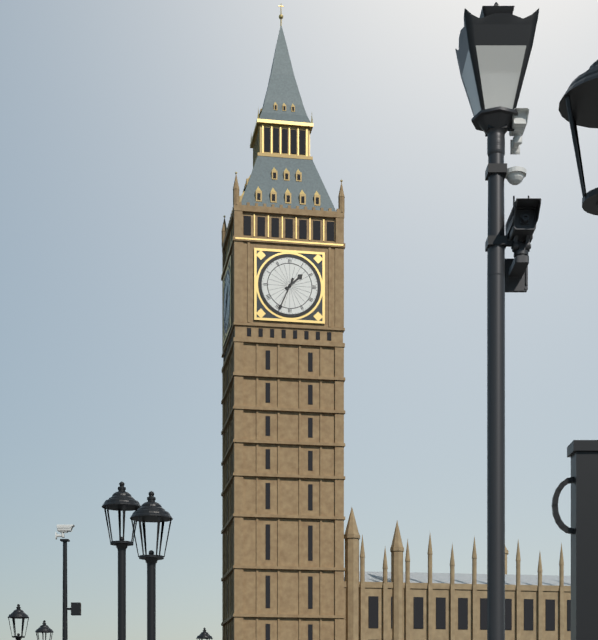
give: {"hour": 1, "minute": 34}
